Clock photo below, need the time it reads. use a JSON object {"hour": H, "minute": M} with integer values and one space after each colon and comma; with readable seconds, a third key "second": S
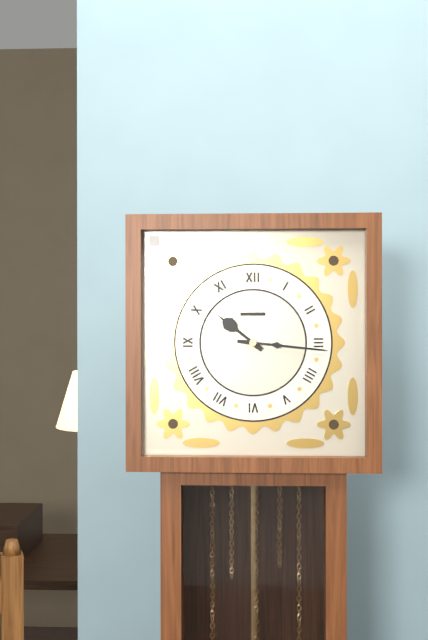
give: {"hour": 10, "minute": 16}
